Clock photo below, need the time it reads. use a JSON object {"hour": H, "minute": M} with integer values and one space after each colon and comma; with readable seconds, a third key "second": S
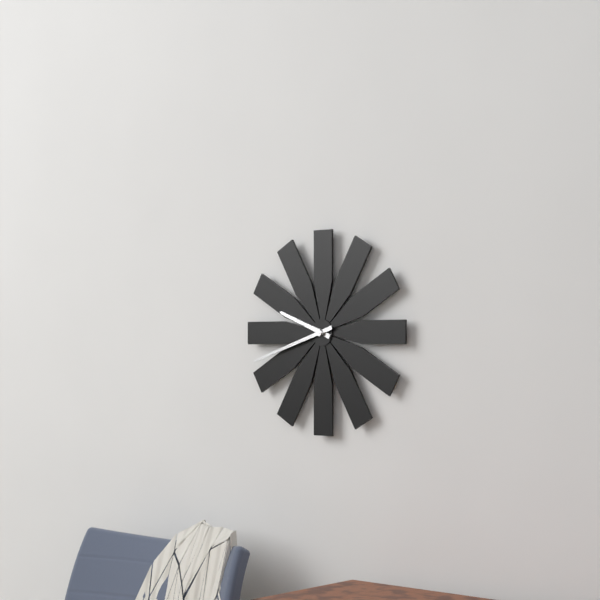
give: {"hour": 9, "minute": 42}
